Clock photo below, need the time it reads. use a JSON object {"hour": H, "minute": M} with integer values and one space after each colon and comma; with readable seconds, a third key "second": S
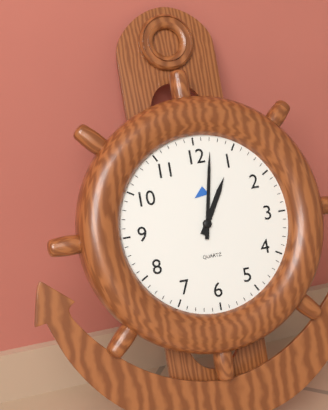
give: {"hour": 1, "minute": 2}
